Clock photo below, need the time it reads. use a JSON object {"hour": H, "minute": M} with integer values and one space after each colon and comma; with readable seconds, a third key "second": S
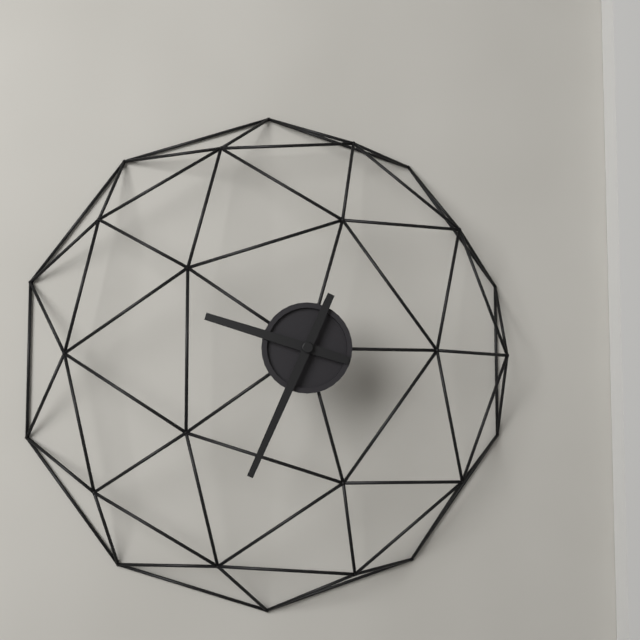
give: {"hour": 9, "minute": 34}
